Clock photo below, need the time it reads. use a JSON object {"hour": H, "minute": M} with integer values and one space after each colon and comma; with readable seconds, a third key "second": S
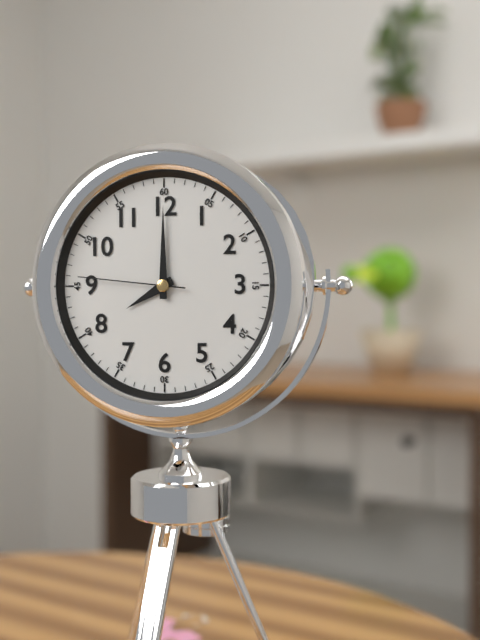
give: {"hour": 8, "minute": 0, "second": 46}
